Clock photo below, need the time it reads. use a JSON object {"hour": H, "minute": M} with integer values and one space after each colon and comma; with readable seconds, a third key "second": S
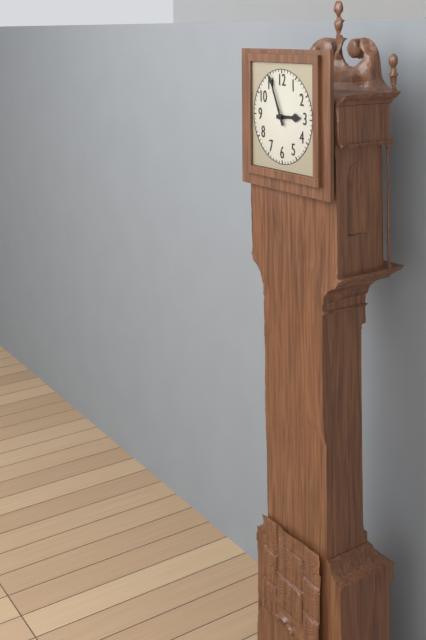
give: {"hour": 2, "minute": 56}
